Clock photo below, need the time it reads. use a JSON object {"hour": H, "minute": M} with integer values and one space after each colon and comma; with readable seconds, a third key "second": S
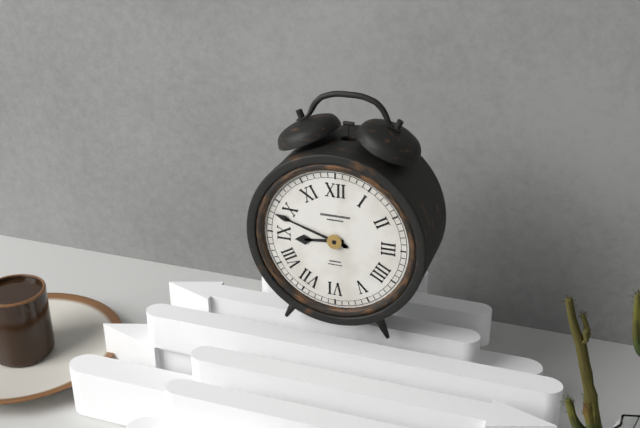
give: {"hour": 8, "minute": 48}
